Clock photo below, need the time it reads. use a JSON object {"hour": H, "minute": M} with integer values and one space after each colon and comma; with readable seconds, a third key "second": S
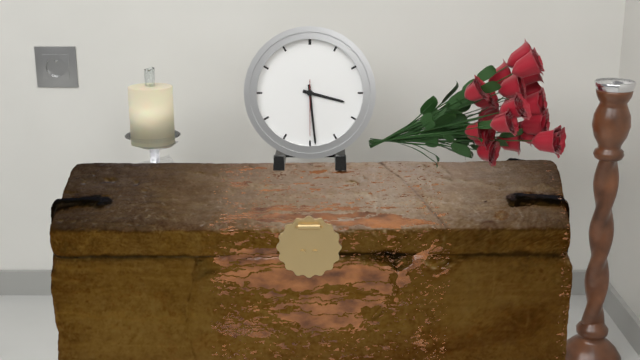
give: {"hour": 3, "minute": 29, "second": 30}
